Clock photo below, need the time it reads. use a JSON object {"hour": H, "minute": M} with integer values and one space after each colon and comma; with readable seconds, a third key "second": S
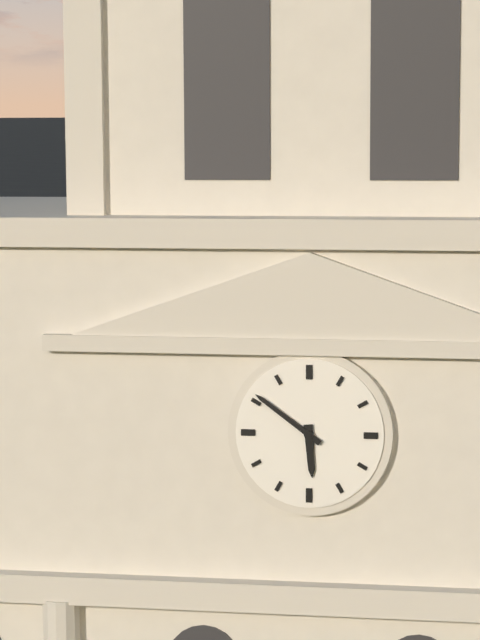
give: {"hour": 5, "minute": 51}
